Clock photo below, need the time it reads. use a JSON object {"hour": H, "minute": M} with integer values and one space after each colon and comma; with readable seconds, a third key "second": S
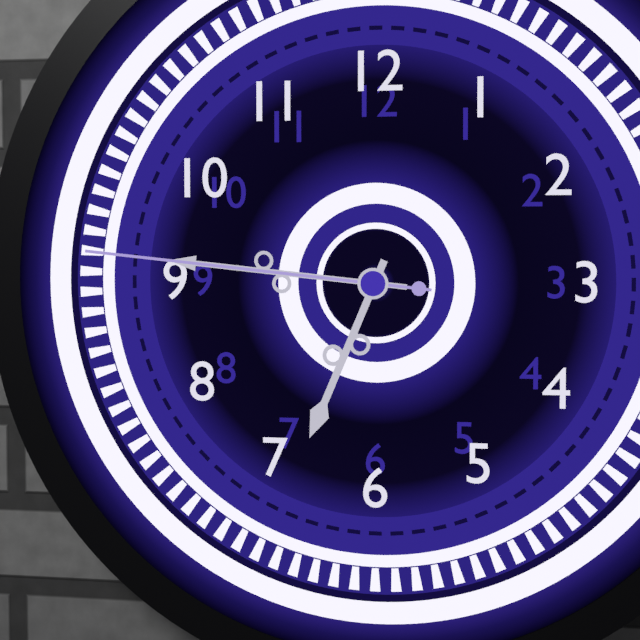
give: {"hour": 6, "minute": 46, "second": 46}
